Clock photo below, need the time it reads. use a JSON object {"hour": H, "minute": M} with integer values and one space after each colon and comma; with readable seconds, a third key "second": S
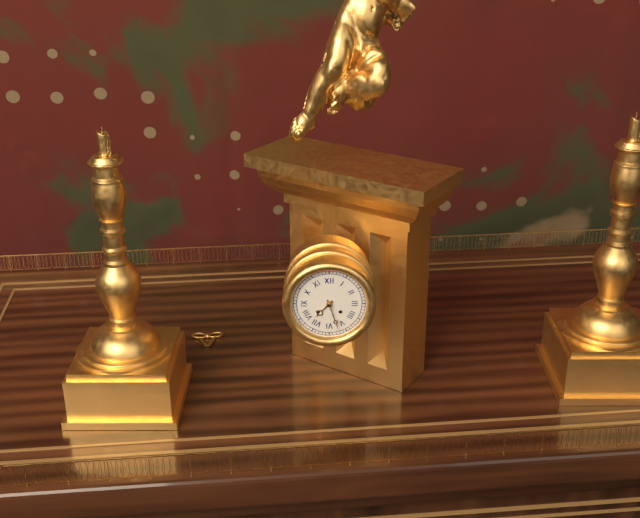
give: {"hour": 7, "minute": 27}
